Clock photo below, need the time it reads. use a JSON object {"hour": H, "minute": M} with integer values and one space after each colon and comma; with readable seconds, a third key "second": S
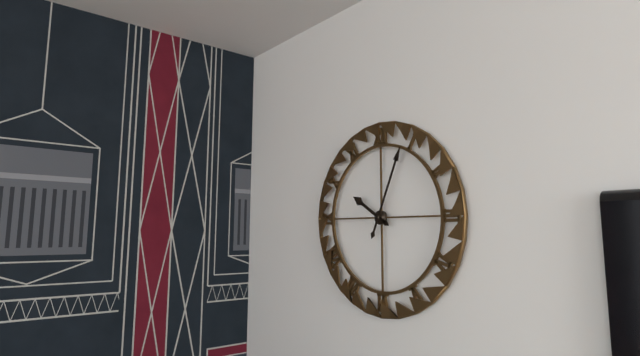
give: {"hour": 10, "minute": 4}
